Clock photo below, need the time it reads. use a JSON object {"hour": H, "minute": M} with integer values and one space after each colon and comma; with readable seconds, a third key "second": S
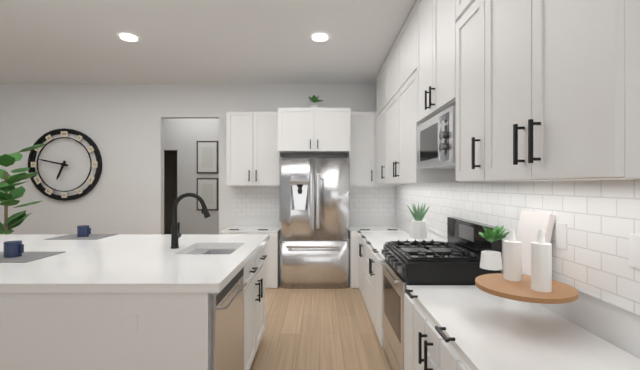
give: {"hour": 6, "minute": 47}
